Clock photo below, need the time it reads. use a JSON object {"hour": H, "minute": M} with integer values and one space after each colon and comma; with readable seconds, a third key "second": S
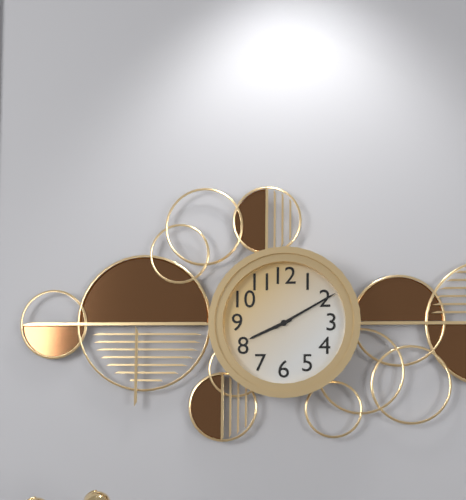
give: {"hour": 8, "minute": 10}
